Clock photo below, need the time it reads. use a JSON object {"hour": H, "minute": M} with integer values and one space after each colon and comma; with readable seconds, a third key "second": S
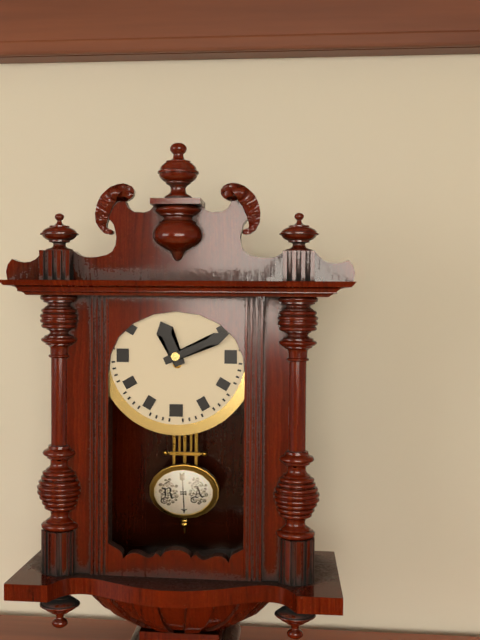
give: {"hour": 11, "minute": 11}
